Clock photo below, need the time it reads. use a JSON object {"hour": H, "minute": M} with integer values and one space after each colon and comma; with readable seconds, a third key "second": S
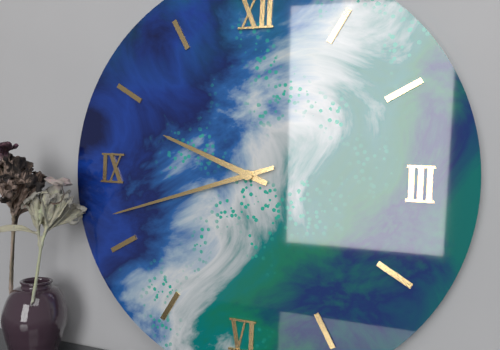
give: {"hour": 9, "minute": 42}
